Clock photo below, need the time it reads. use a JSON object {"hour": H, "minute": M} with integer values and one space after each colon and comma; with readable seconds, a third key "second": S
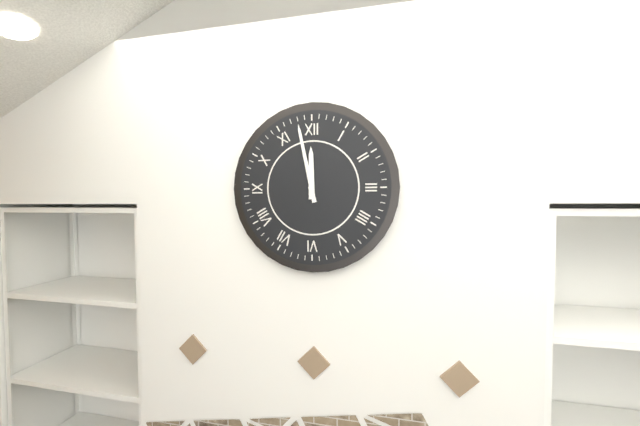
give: {"hour": 11, "minute": 58}
